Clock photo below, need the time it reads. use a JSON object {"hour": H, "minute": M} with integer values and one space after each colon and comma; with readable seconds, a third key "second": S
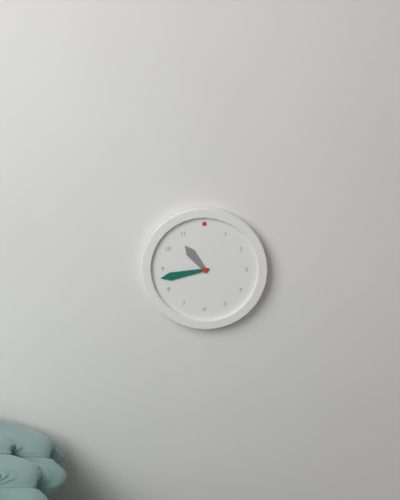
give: {"hour": 10, "minute": 43}
